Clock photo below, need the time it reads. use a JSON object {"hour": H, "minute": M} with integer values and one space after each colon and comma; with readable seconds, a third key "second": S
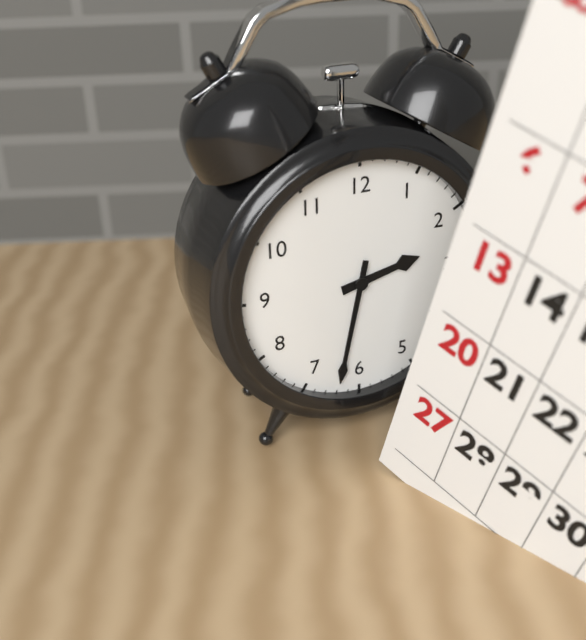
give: {"hour": 2, "minute": 32}
